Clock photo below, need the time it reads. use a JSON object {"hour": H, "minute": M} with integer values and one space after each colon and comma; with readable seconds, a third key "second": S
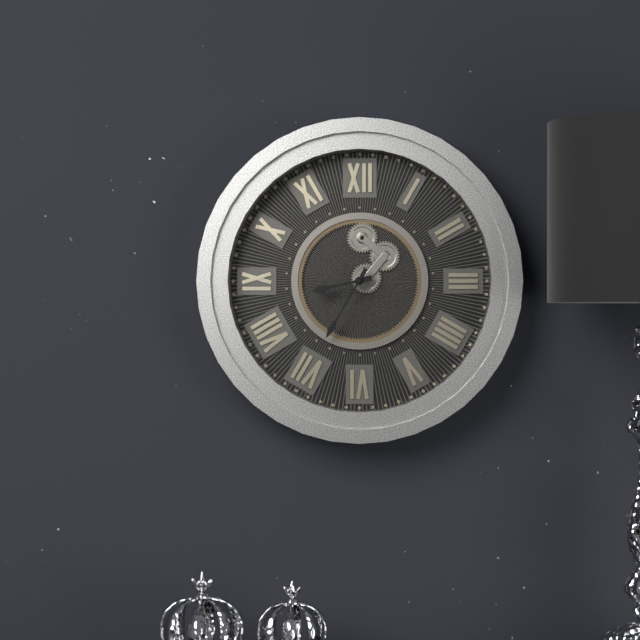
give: {"hour": 8, "minute": 35}
